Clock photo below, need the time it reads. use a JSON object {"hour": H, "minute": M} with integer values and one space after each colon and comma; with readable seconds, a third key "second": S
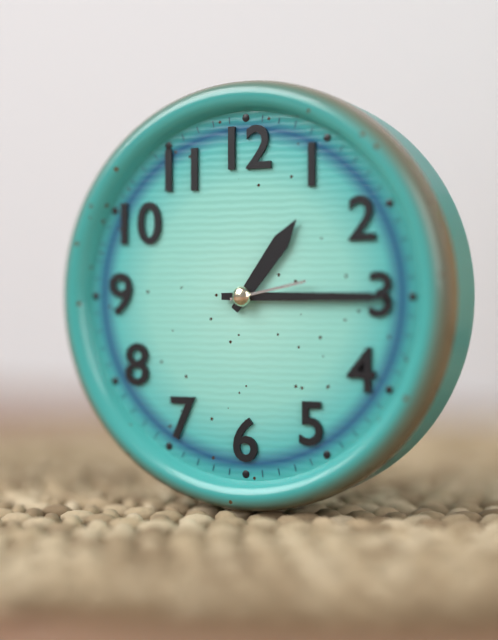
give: {"hour": 1, "minute": 15, "second": 13}
